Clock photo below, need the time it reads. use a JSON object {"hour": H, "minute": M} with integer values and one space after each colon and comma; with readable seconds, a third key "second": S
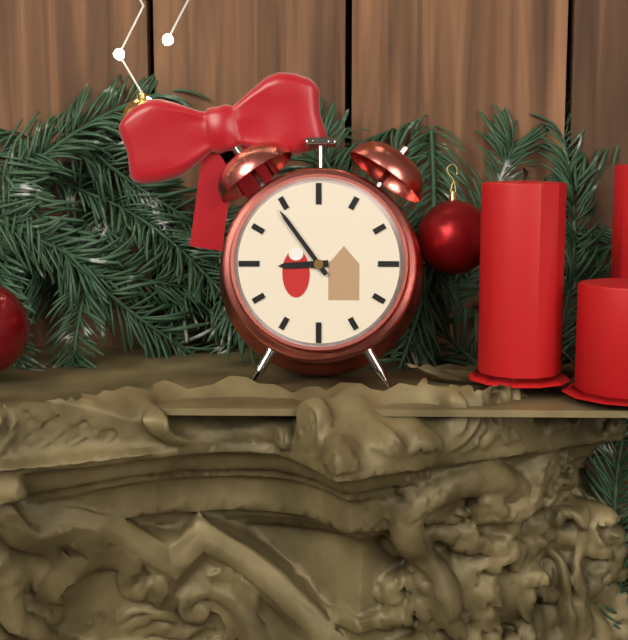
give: {"hour": 8, "minute": 54}
